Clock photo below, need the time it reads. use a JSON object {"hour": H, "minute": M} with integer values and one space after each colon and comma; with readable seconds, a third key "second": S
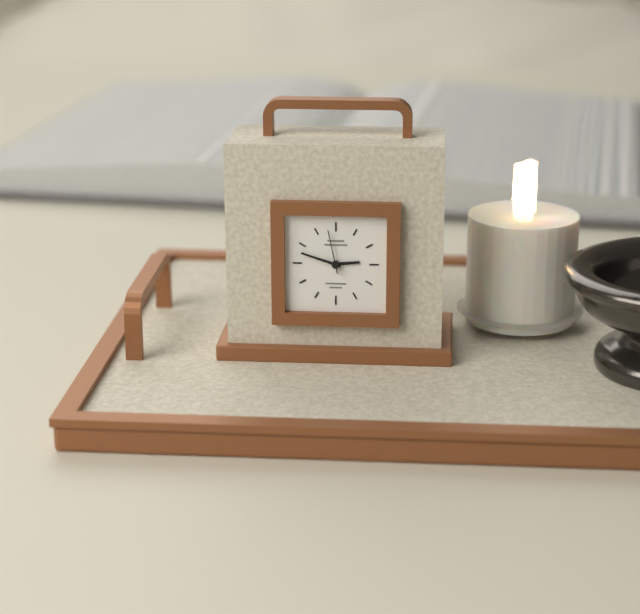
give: {"hour": 2, "minute": 48}
